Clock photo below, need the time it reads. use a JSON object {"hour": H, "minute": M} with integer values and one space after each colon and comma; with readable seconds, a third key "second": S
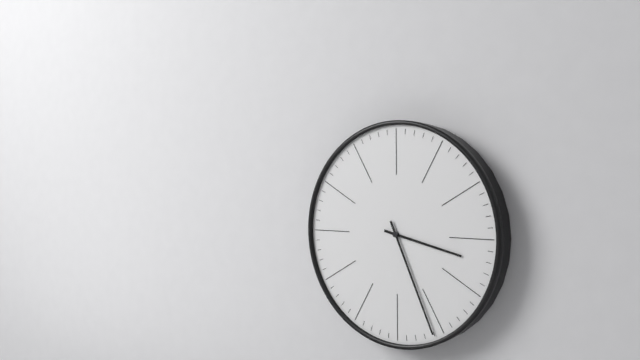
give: {"hour": 3, "minute": 26}
